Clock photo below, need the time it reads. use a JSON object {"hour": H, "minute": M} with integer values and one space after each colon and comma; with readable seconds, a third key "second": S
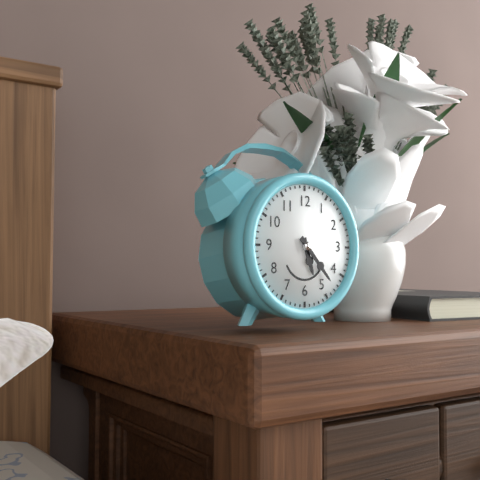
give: {"hour": 5, "minute": 23}
